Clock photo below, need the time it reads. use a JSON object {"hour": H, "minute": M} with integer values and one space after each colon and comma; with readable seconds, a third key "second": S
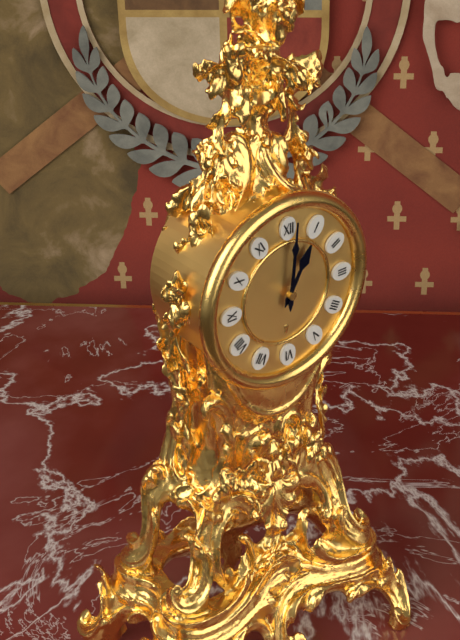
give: {"hour": 1, "minute": 1}
